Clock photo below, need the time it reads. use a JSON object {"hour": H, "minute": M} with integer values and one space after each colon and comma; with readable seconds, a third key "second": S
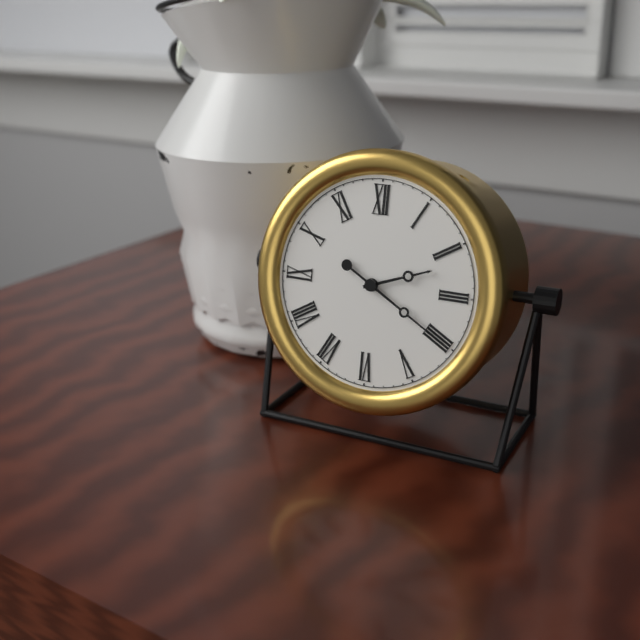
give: {"hour": 2, "minute": 20}
